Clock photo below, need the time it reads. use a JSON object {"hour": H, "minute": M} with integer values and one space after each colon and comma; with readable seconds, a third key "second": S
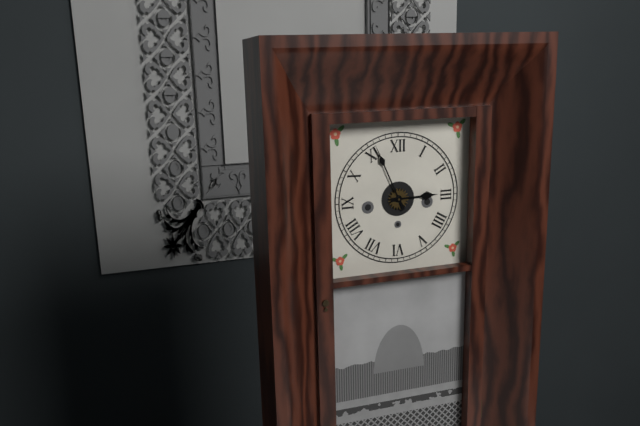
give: {"hour": 2, "minute": 56}
